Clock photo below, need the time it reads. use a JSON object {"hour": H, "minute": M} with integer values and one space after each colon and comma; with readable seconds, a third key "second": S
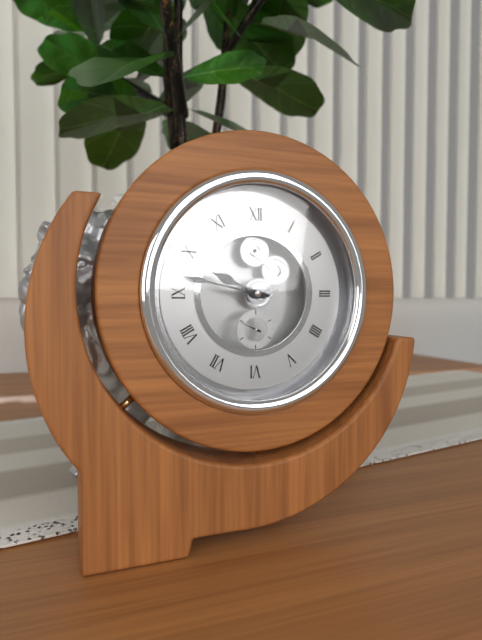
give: {"hour": 9, "minute": 47}
